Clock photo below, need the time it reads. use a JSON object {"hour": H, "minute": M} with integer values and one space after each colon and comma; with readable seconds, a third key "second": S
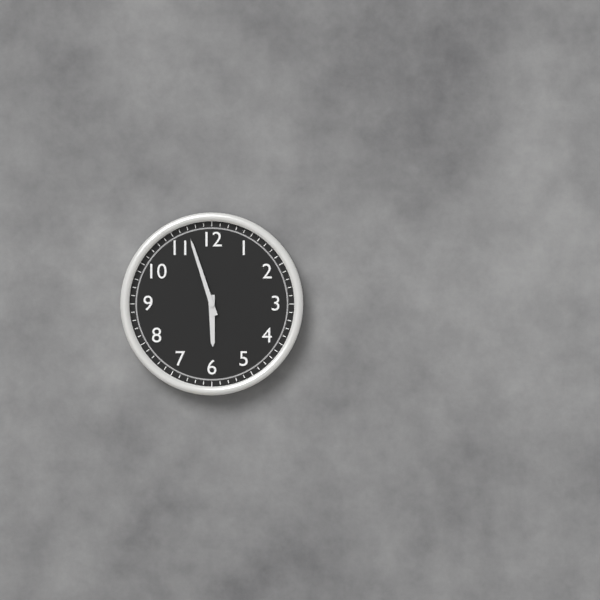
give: {"hour": 5, "minute": 57}
